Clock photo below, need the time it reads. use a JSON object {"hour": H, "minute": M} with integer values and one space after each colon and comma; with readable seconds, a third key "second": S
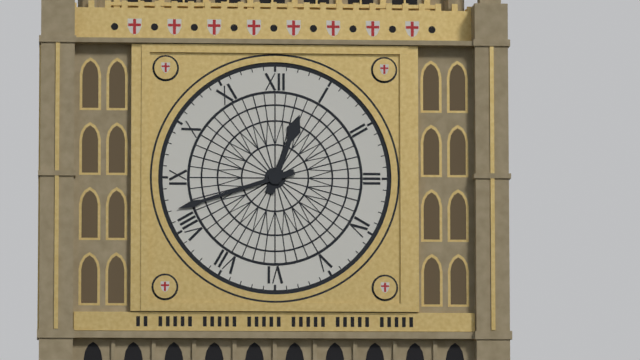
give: {"hour": 12, "minute": 42}
